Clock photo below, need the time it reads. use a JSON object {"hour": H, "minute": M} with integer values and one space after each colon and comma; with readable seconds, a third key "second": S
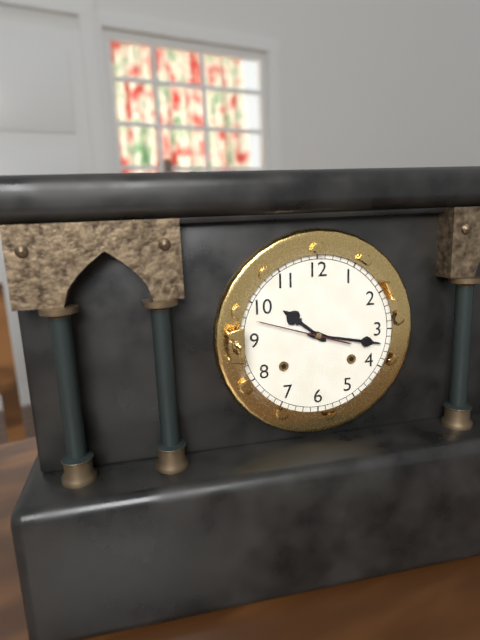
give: {"hour": 10, "minute": 17, "second": 48}
